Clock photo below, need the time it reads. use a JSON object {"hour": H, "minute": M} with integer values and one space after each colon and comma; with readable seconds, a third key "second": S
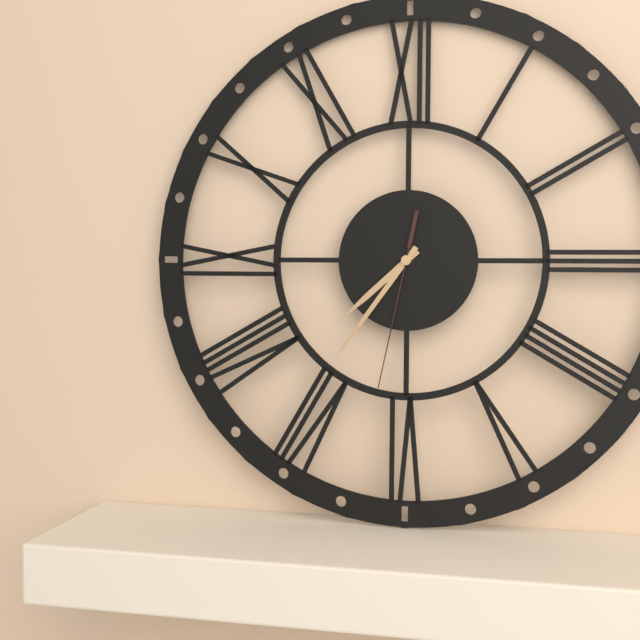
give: {"hour": 7, "minute": 36, "second": 32}
